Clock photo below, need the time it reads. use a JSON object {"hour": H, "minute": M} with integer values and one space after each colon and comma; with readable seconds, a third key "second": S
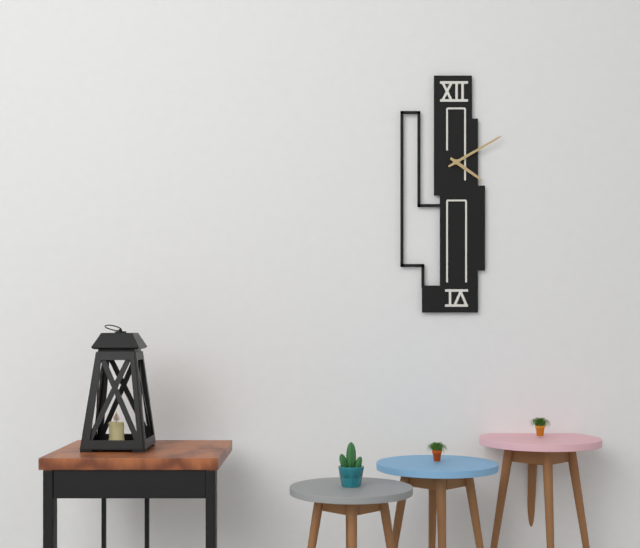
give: {"hour": 4, "minute": 10}
